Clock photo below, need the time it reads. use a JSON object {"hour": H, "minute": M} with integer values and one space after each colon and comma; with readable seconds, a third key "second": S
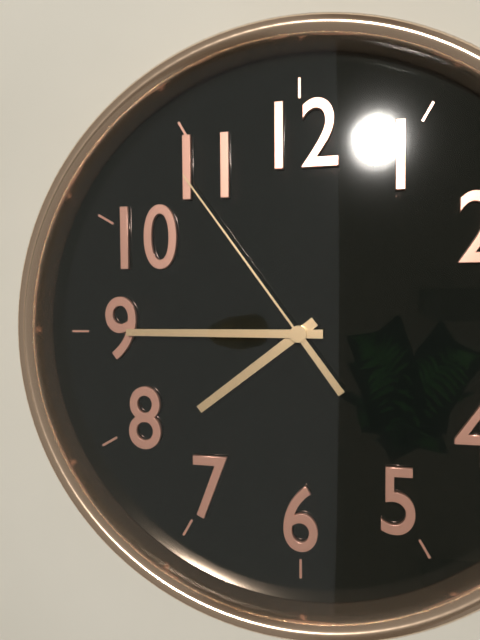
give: {"hour": 7, "minute": 45, "second": 54}
